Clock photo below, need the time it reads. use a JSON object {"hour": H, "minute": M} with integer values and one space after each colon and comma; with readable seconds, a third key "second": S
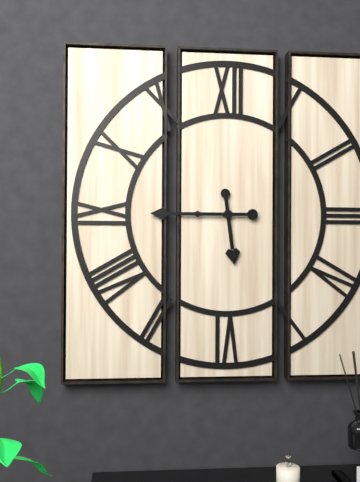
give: {"hour": 5, "minute": 45}
